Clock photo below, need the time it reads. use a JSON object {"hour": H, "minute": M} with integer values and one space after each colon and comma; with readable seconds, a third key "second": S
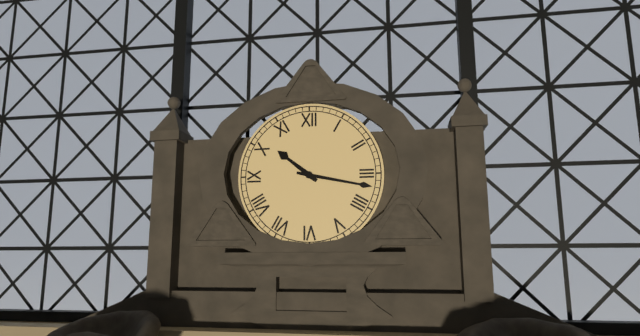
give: {"hour": 10, "minute": 17}
